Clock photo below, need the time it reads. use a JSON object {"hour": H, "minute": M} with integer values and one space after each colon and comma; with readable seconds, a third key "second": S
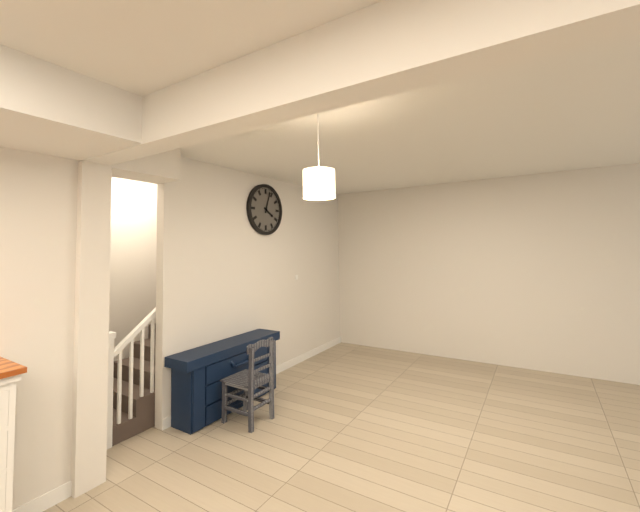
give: {"hour": 4, "minute": 3}
